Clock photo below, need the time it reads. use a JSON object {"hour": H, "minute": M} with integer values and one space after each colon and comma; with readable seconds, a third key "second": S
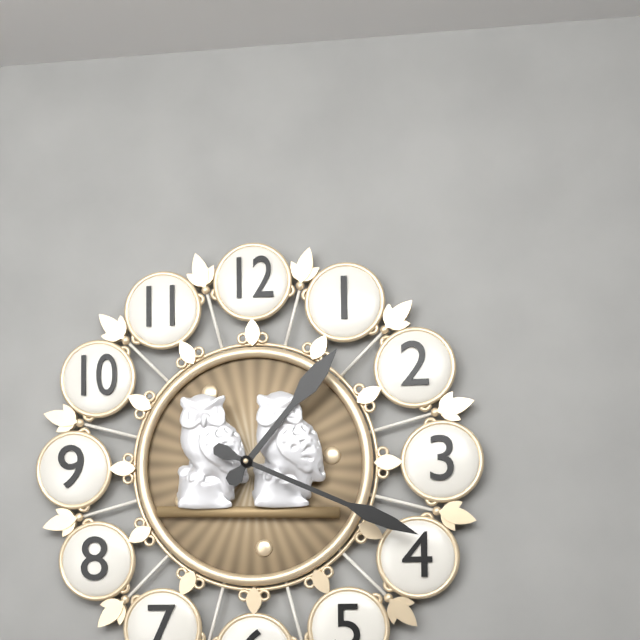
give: {"hour": 1, "minute": 19}
